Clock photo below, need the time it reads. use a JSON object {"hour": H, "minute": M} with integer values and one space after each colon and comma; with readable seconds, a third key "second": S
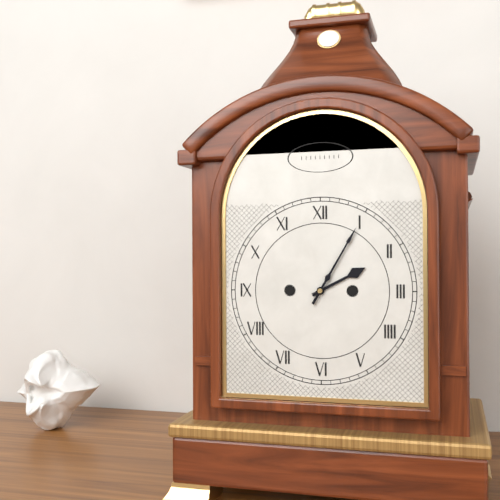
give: {"hour": 2, "minute": 5}
